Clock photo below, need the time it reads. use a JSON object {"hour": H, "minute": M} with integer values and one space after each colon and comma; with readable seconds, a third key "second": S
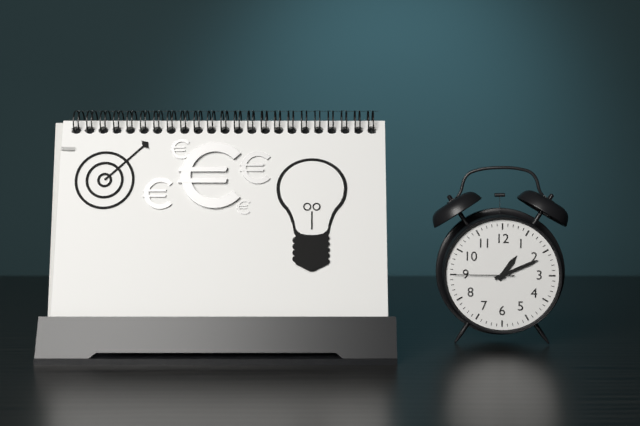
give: {"hour": 1, "minute": 11, "second": 45}
